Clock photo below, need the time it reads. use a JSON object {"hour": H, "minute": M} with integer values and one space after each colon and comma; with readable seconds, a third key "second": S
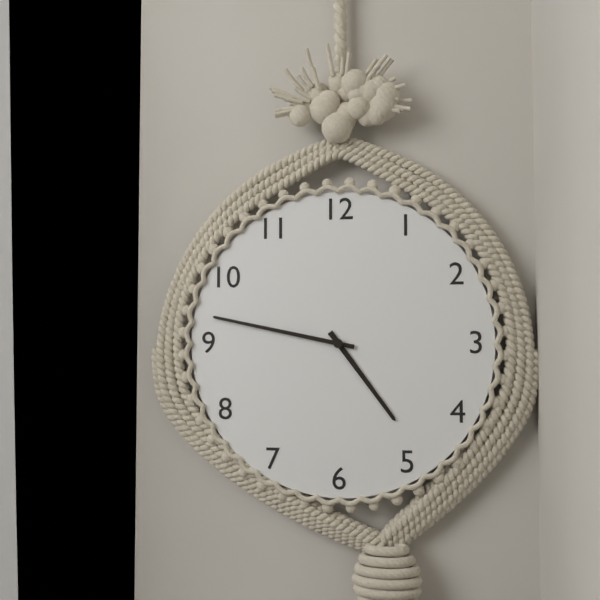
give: {"hour": 4, "minute": 47}
